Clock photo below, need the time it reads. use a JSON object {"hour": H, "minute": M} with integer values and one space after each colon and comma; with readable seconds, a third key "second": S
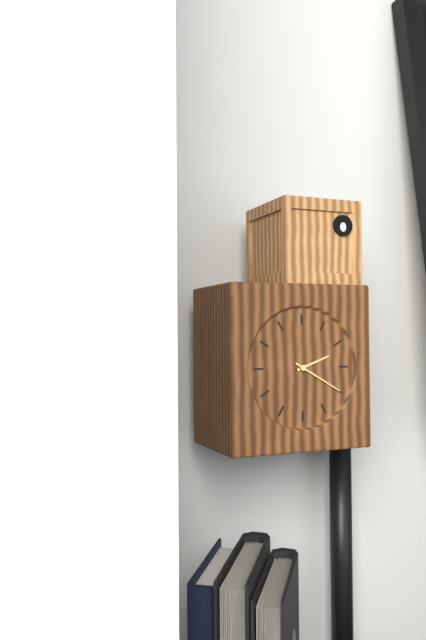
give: {"hour": 2, "minute": 20}
